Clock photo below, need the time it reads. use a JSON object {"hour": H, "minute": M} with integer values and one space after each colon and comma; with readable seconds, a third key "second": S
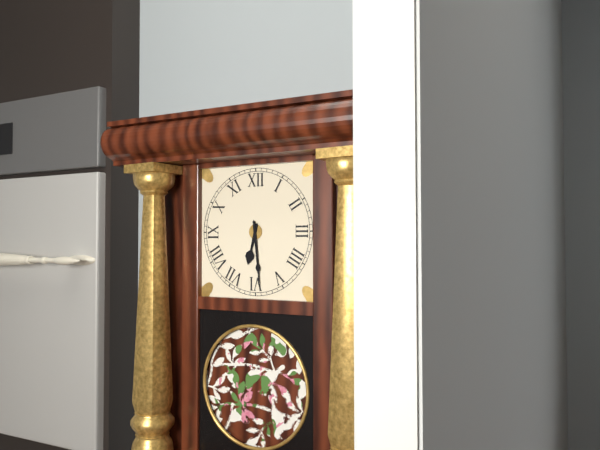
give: {"hour": 6, "minute": 29}
